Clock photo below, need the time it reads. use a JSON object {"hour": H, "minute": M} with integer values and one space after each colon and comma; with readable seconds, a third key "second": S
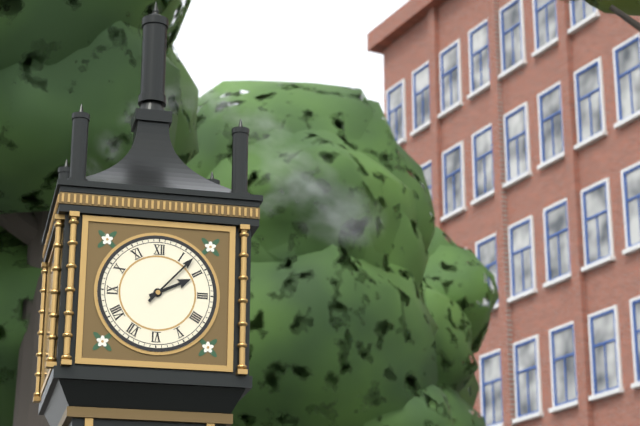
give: {"hour": 2, "minute": 7}
